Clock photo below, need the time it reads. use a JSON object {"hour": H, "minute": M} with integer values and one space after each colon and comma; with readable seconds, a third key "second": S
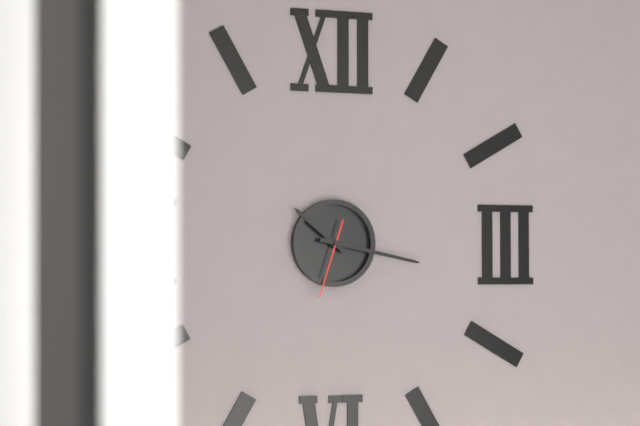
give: {"hour": 10, "minute": 17, "second": 33}
